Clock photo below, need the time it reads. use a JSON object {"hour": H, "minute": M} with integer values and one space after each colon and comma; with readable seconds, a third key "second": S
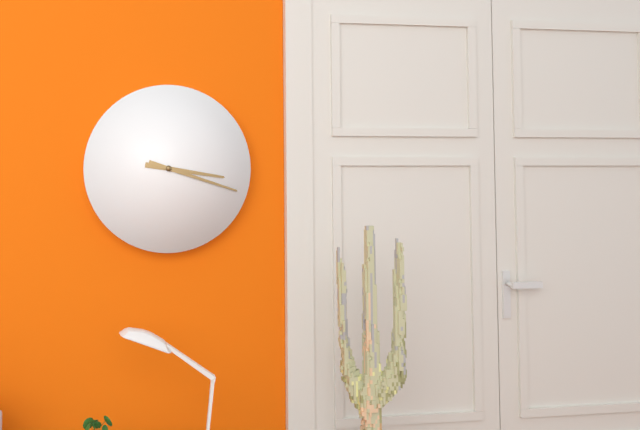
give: {"hour": 3, "minute": 18}
